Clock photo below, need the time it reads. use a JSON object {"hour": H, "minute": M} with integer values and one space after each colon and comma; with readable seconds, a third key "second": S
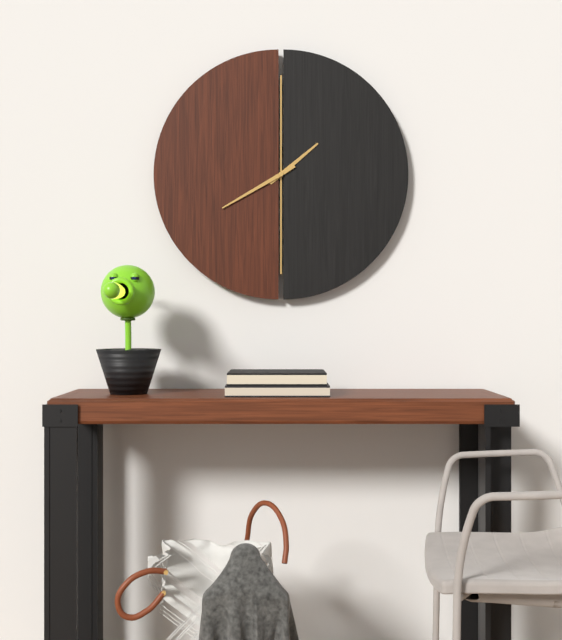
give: {"hour": 1, "minute": 40}
